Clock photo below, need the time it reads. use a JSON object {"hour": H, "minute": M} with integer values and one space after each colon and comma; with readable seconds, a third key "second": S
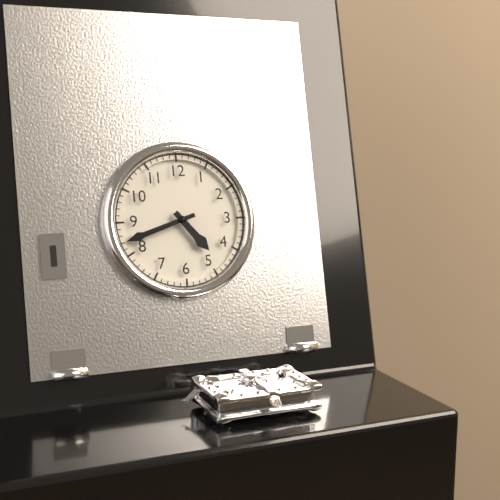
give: {"hour": 4, "minute": 42}
